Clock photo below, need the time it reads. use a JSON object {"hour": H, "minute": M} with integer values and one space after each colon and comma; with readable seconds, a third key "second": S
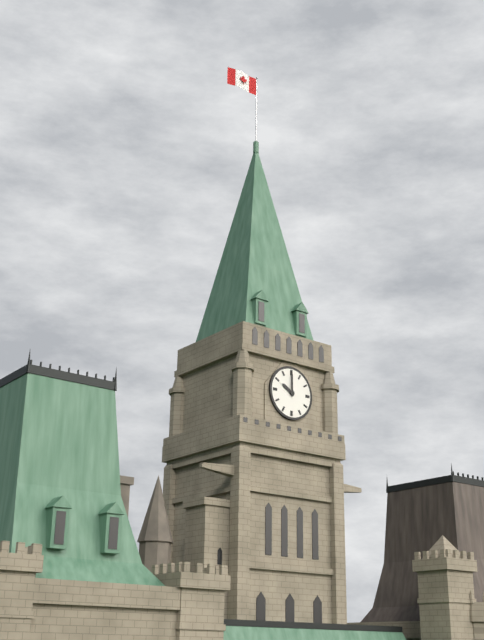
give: {"hour": 10, "minute": 0}
